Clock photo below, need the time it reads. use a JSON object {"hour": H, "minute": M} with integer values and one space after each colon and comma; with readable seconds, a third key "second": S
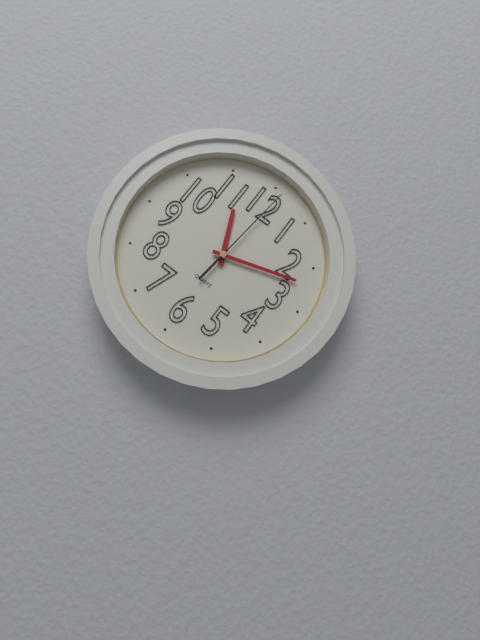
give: {"hour": 11, "minute": 12, "second": 1}
